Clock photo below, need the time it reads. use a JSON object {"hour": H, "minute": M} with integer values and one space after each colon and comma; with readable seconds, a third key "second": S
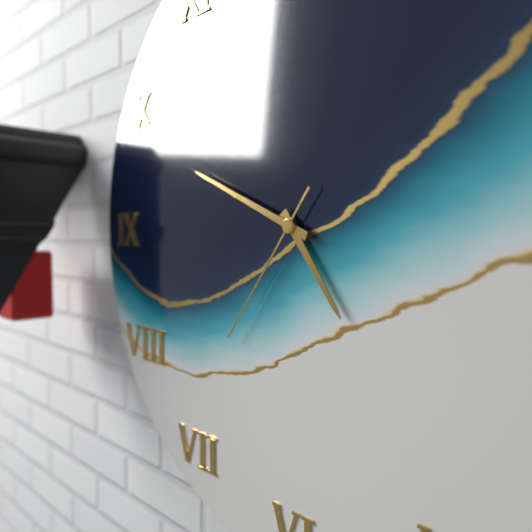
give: {"hour": 4, "minute": 49, "second": 36}
